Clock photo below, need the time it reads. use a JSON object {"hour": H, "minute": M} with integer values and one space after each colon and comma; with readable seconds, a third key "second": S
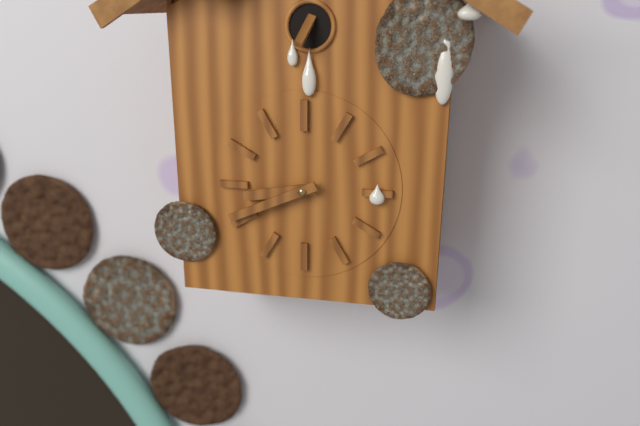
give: {"hour": 8, "minute": 41}
